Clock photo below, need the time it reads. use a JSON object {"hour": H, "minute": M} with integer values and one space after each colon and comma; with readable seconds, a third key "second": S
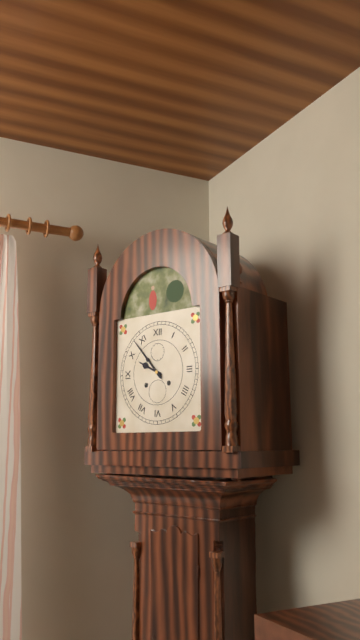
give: {"hour": 9, "minute": 53}
